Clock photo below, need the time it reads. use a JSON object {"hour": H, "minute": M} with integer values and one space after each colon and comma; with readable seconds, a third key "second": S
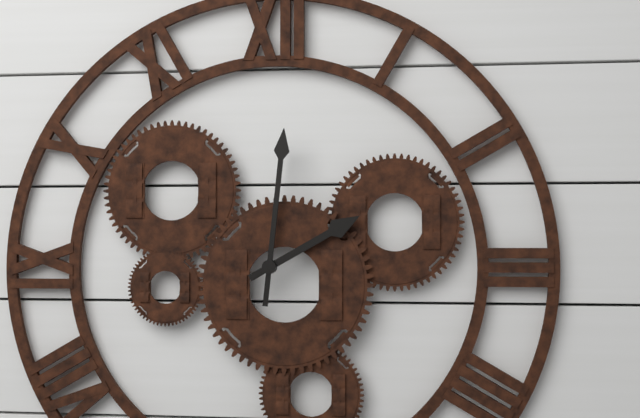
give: {"hour": 2, "minute": 1}
